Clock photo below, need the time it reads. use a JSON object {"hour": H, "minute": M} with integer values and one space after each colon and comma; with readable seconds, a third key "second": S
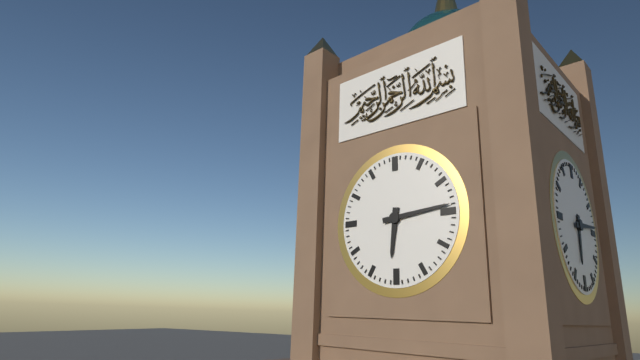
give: {"hour": 6, "minute": 14}
